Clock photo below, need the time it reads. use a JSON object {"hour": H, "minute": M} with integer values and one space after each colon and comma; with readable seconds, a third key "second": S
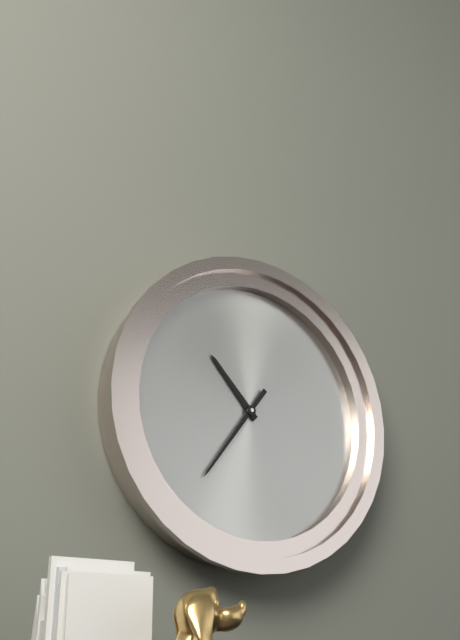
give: {"hour": 10, "minute": 36}
